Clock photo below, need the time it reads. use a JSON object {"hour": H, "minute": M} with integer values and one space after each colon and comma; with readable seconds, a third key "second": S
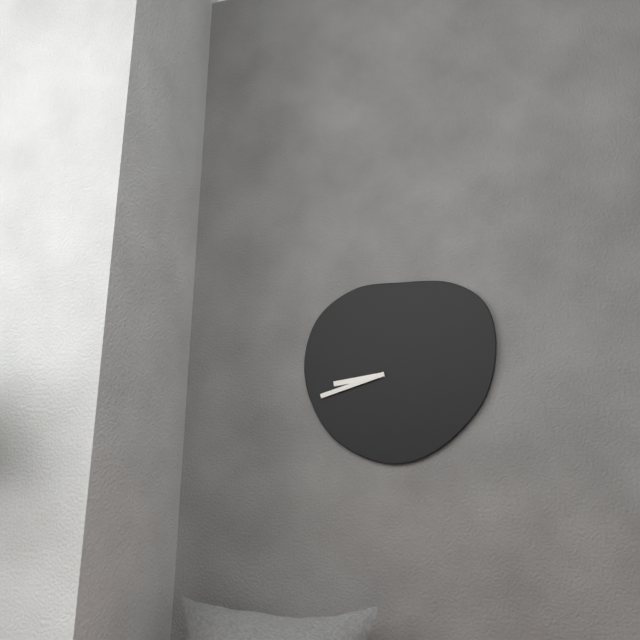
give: {"hour": 8, "minute": 42}
